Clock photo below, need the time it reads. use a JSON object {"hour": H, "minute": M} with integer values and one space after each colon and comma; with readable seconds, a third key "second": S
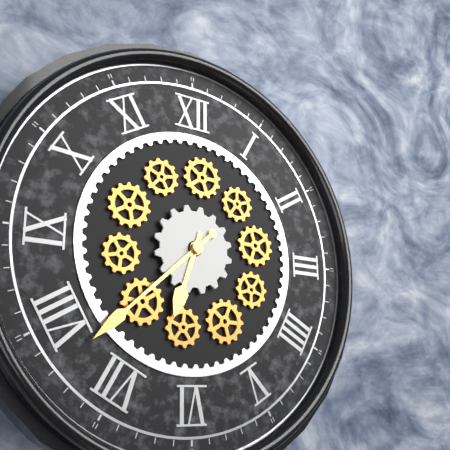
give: {"hour": 6, "minute": 38}
